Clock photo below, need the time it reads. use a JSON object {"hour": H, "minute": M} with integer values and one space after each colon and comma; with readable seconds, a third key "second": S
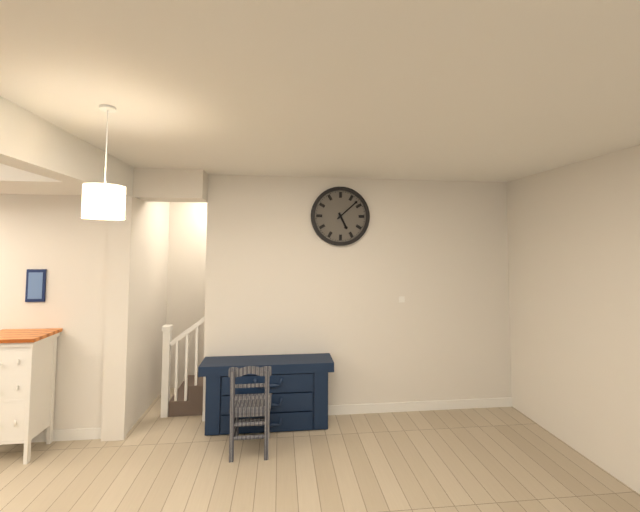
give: {"hour": 5, "minute": 8}
